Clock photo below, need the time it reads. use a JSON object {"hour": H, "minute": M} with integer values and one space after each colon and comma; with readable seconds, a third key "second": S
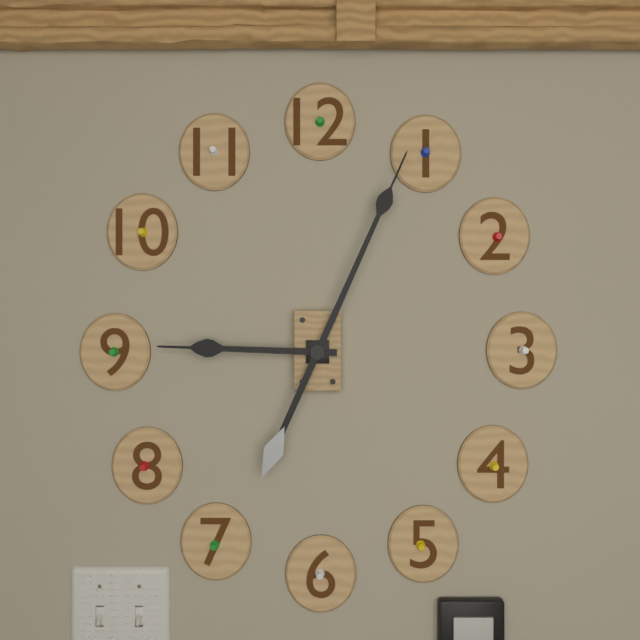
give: {"hour": 9, "minute": 4}
